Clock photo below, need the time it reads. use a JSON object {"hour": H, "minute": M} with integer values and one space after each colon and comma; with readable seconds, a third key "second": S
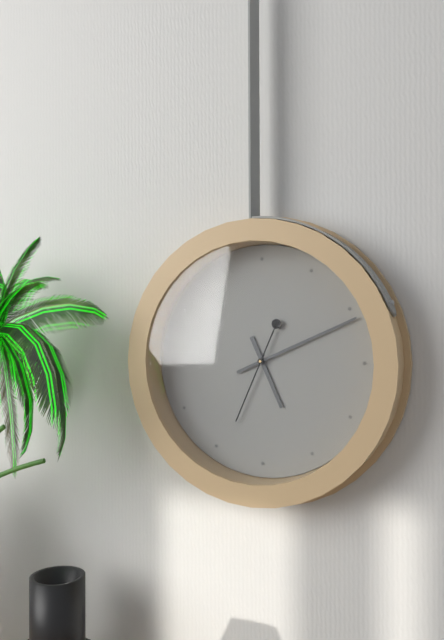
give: {"hour": 5, "minute": 11, "second": 34}
